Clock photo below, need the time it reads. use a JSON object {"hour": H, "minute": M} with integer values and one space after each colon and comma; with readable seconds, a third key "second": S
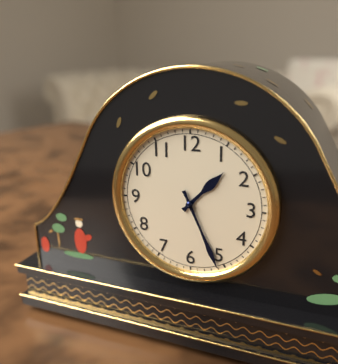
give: {"hour": 1, "minute": 26}
